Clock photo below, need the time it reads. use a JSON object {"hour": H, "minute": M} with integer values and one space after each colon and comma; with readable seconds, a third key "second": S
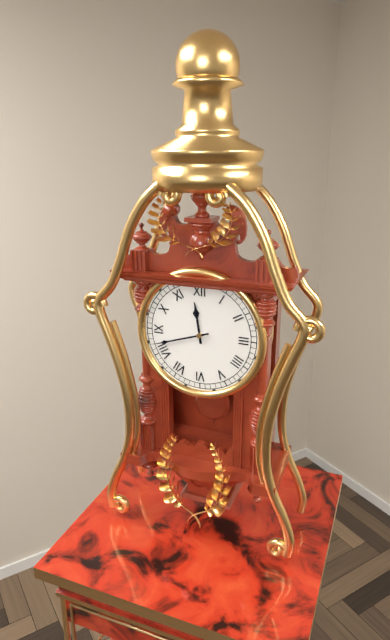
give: {"hour": 11, "minute": 42}
